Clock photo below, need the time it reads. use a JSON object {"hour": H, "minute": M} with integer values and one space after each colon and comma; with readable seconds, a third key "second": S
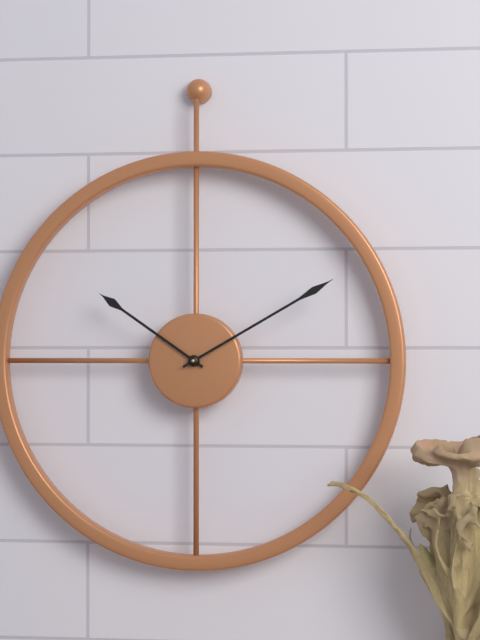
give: {"hour": 10, "minute": 10}
